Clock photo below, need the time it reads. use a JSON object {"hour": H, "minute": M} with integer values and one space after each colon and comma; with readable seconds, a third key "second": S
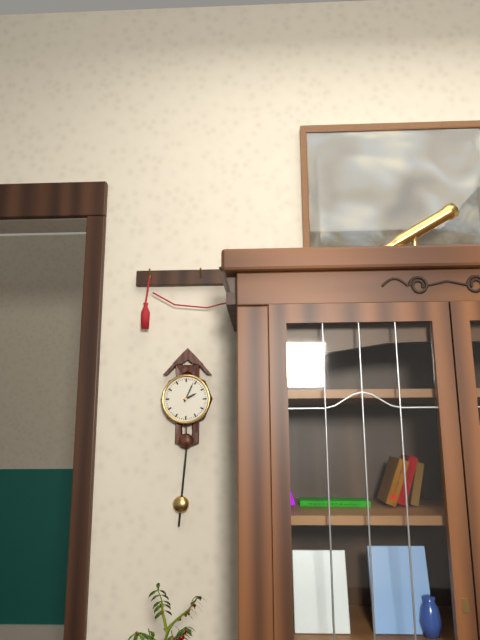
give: {"hour": 2, "minute": 4}
